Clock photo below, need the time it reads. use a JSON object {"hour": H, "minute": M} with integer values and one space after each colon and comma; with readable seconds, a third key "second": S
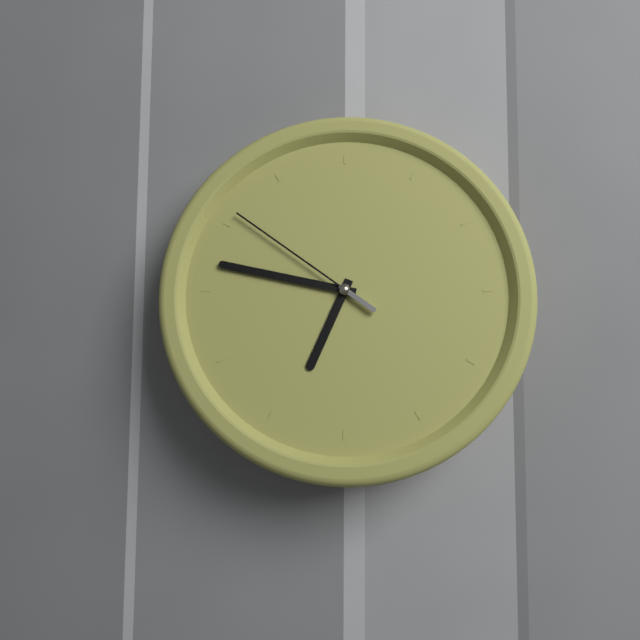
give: {"hour": 6, "minute": 47, "second": 51}
